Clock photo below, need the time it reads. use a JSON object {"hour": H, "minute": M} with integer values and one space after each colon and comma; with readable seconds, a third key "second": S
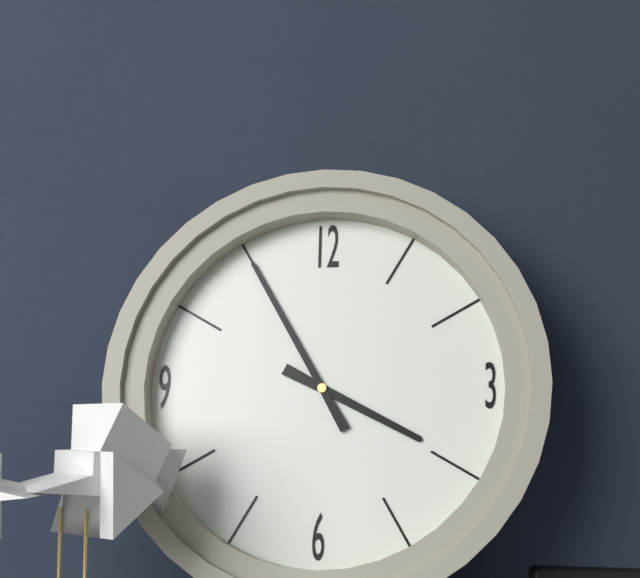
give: {"hour": 3, "minute": 55}
